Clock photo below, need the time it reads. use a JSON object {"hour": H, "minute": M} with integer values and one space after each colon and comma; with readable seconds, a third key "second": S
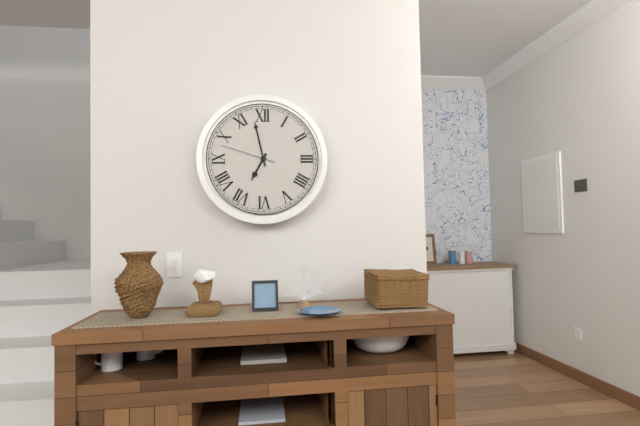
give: {"hour": 6, "minute": 58, "second": 48}
